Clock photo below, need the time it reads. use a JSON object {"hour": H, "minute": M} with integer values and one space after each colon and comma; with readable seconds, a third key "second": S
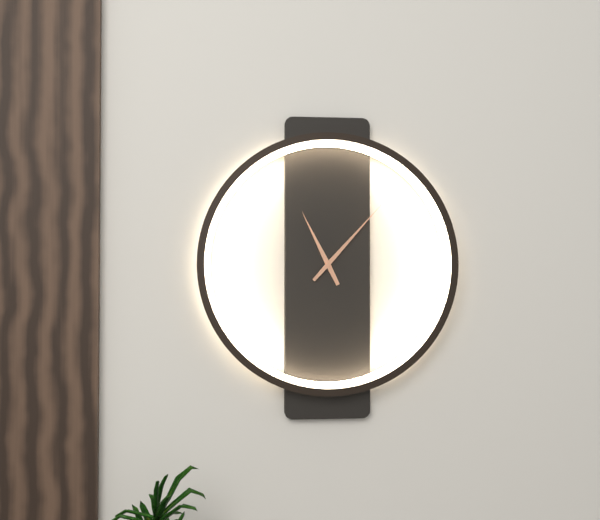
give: {"hour": 11, "minute": 7}
